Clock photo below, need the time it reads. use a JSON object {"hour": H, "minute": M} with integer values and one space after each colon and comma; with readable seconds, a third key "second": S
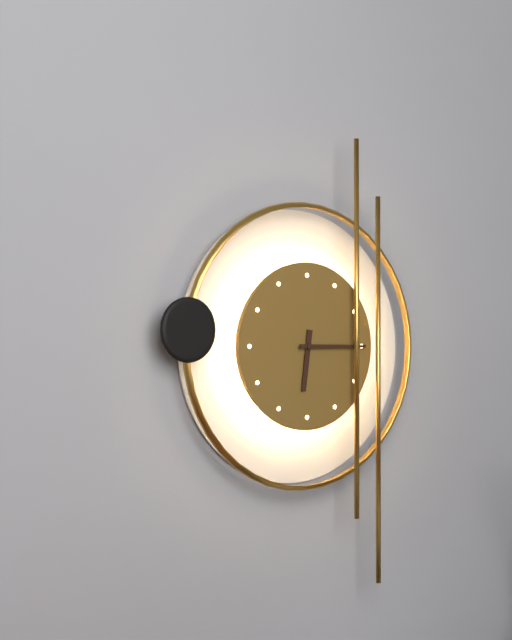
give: {"hour": 6, "minute": 15}
